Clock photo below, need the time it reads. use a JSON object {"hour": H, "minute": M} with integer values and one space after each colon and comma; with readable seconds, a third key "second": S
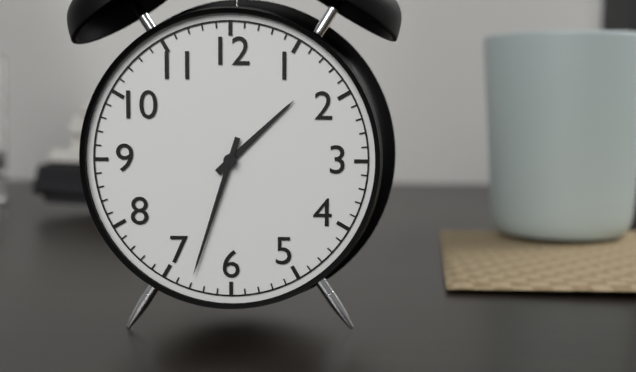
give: {"hour": 1, "minute": 33}
